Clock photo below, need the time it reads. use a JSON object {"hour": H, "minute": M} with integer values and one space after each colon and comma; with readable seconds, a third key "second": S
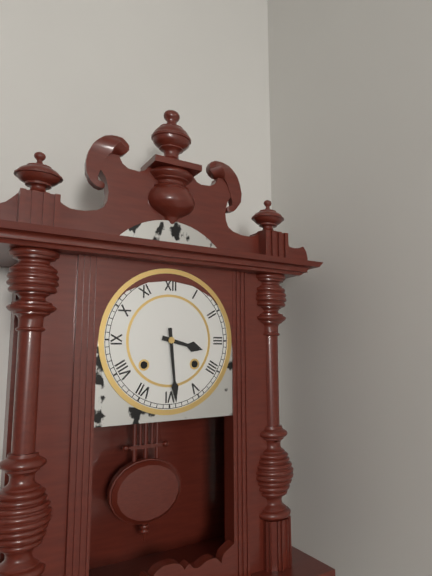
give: {"hour": 3, "minute": 29}
